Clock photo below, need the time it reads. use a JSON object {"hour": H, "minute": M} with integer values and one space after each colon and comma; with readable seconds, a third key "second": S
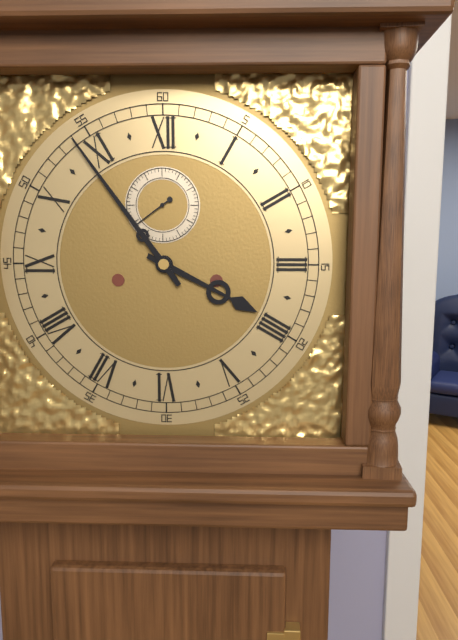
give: {"hour": 3, "minute": 54}
